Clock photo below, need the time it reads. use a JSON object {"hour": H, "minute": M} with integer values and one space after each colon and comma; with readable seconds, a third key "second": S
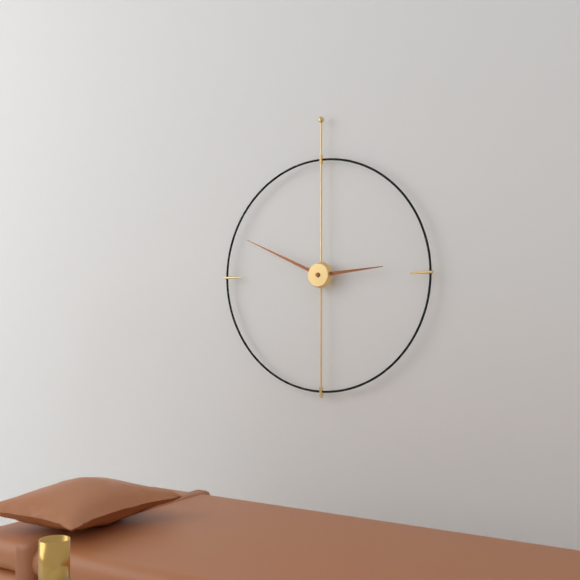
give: {"hour": 2, "minute": 49}
